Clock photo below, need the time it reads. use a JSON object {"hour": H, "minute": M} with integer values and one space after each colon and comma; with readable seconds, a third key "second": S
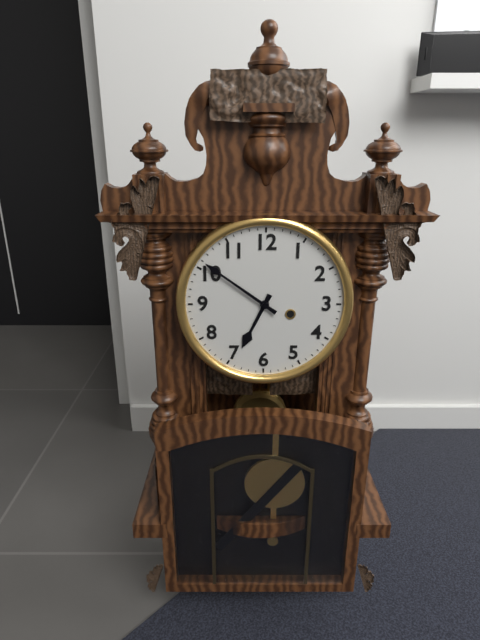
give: {"hour": 6, "minute": 51}
